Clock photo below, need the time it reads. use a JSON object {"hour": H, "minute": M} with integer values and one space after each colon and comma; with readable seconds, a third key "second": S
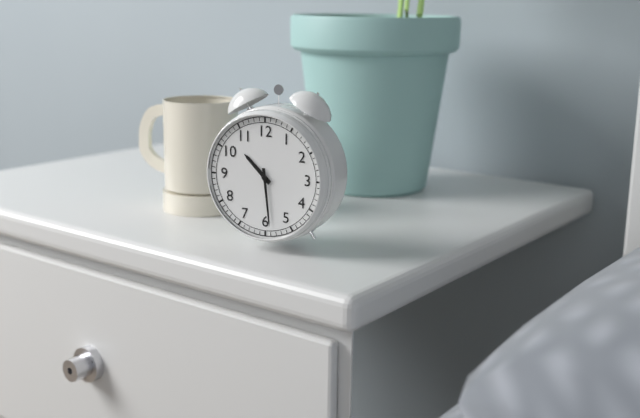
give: {"hour": 10, "minute": 29}
